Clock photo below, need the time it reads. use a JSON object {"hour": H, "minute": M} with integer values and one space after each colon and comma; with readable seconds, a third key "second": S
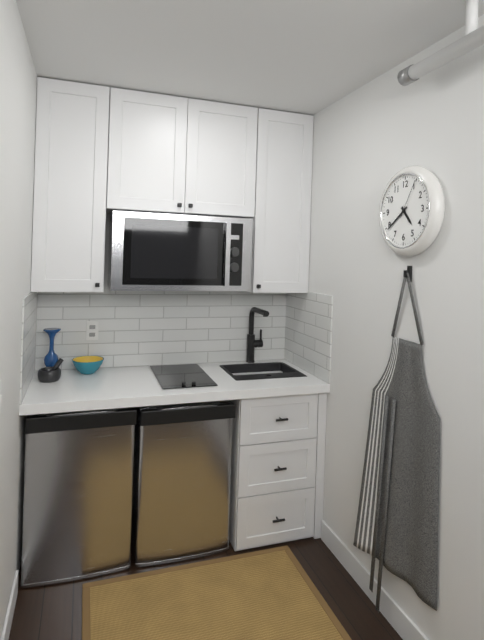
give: {"hour": 4, "minute": 39}
